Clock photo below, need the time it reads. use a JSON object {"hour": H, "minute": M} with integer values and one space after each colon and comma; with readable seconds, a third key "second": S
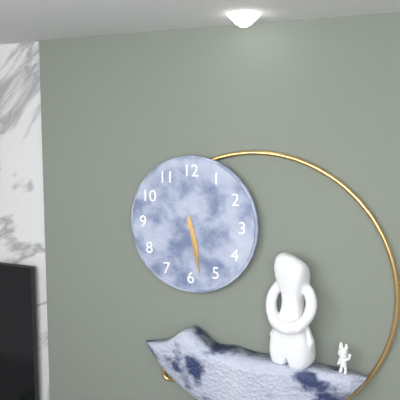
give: {"hour": 5, "minute": 28}
